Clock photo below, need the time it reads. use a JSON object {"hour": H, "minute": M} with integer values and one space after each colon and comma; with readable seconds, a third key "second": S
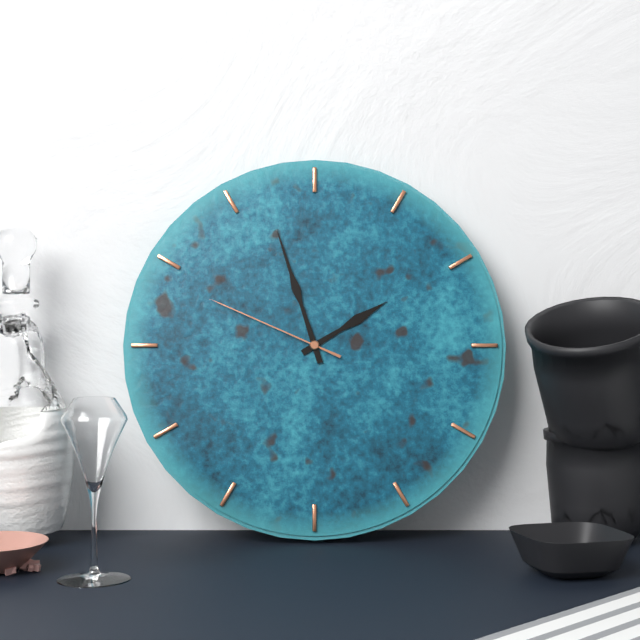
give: {"hour": 1, "minute": 57, "second": 49}
